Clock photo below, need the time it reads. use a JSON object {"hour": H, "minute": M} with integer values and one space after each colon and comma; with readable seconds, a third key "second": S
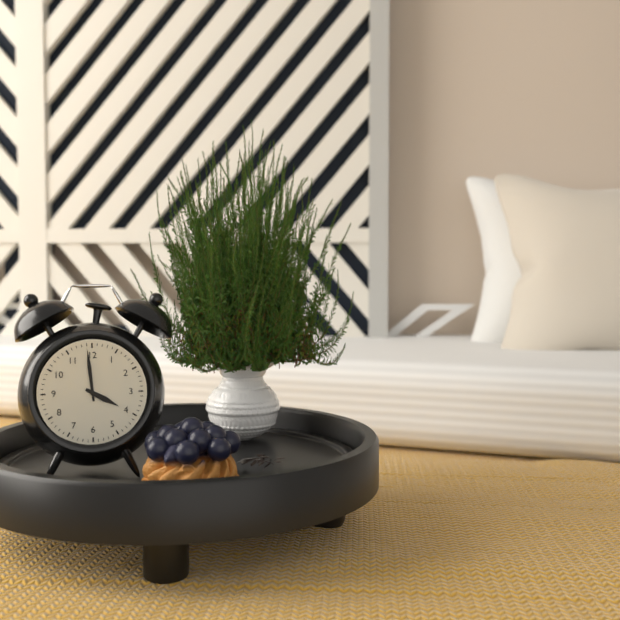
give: {"hour": 3, "minute": 59}
